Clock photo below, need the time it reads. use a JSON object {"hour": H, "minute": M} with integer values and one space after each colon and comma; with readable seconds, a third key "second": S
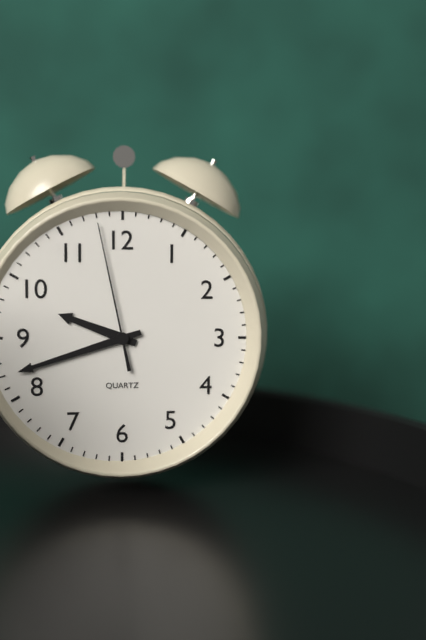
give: {"hour": 9, "minute": 42, "second": 58}
